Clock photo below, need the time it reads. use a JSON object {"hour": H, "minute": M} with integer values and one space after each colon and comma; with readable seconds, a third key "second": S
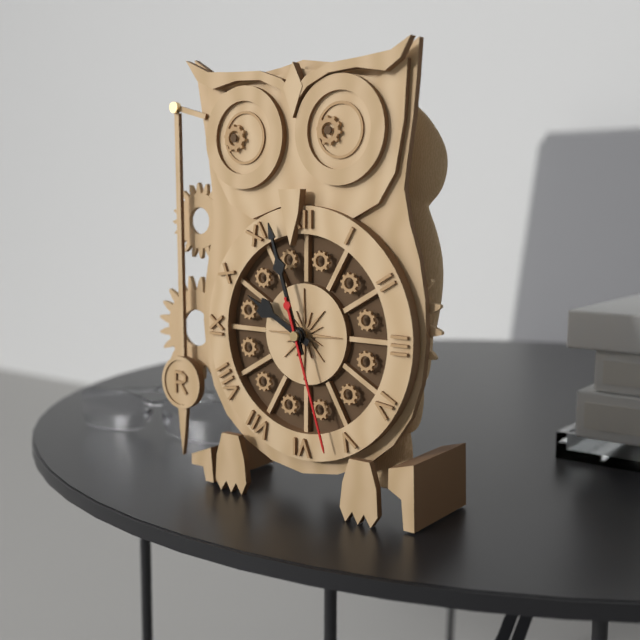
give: {"hour": 9, "minute": 57, "second": 27}
